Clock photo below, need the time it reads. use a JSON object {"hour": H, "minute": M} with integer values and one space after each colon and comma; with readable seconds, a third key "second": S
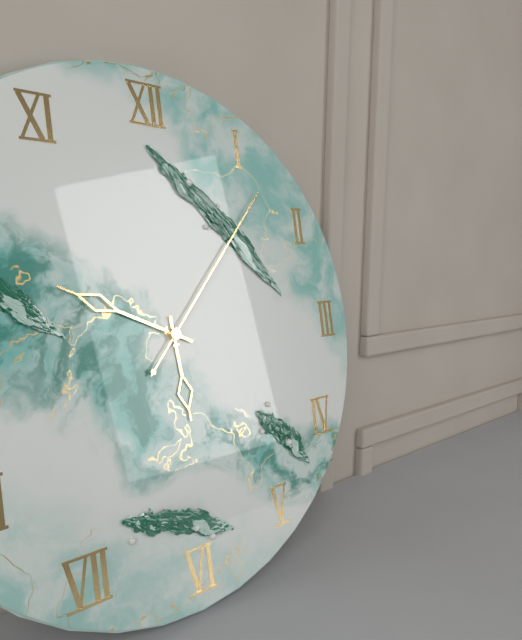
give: {"hour": 5, "minute": 49, "second": 7}
